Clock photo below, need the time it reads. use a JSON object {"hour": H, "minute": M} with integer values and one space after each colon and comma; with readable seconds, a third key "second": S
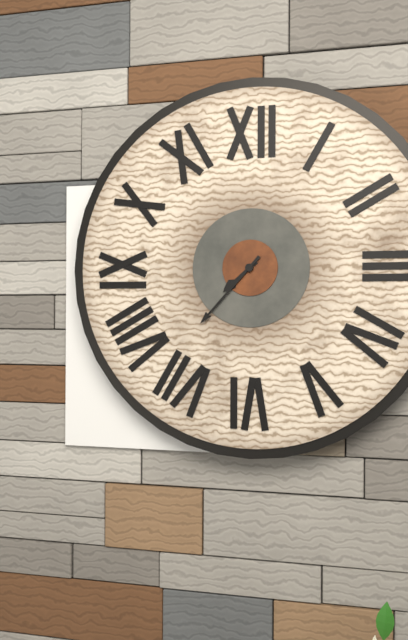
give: {"hour": 7, "minute": 37}
